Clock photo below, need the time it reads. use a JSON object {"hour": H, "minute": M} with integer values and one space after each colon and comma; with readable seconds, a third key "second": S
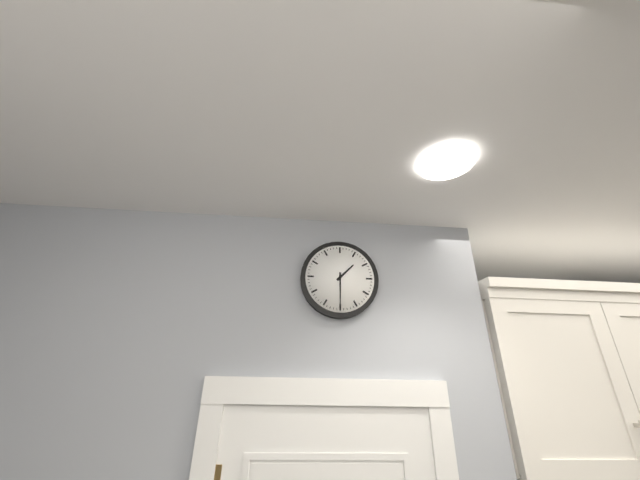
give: {"hour": 1, "minute": 30}
